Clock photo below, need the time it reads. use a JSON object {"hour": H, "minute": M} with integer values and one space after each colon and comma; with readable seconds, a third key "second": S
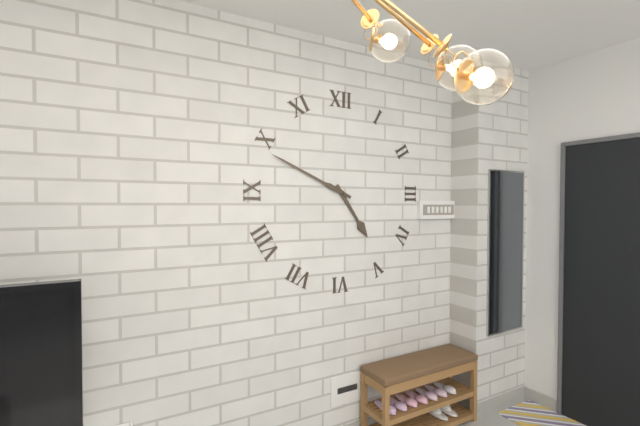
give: {"hour": 4, "minute": 49}
